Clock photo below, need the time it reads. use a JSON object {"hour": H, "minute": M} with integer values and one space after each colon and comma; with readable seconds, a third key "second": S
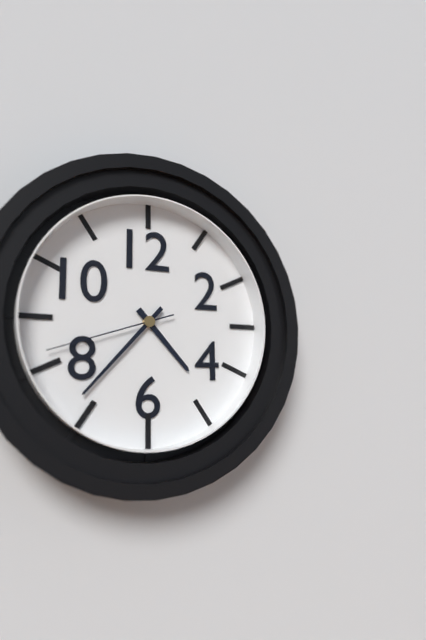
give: {"hour": 4, "minute": 37, "second": 42}
